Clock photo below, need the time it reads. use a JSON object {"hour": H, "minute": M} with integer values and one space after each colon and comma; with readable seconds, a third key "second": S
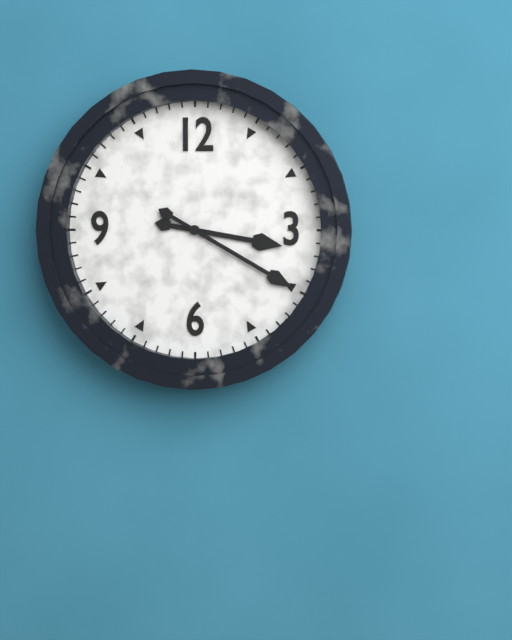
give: {"hour": 3, "minute": 20}
